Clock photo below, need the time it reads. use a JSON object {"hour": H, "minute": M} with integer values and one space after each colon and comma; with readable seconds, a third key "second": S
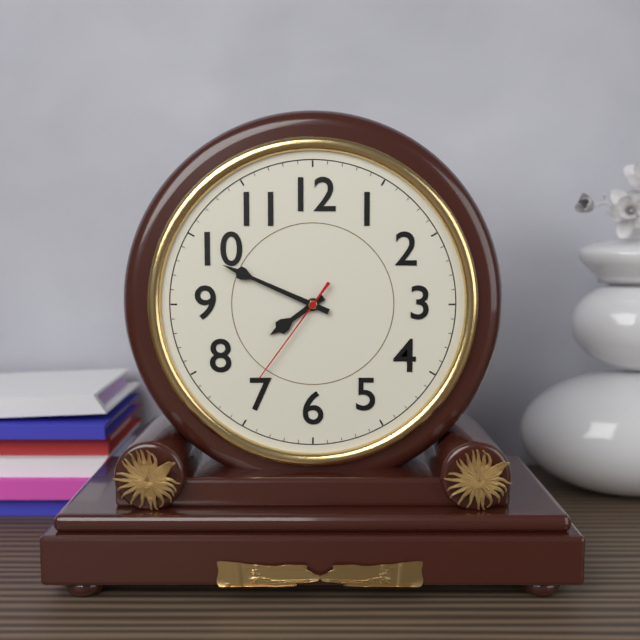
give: {"hour": 7, "minute": 49, "second": 36}
